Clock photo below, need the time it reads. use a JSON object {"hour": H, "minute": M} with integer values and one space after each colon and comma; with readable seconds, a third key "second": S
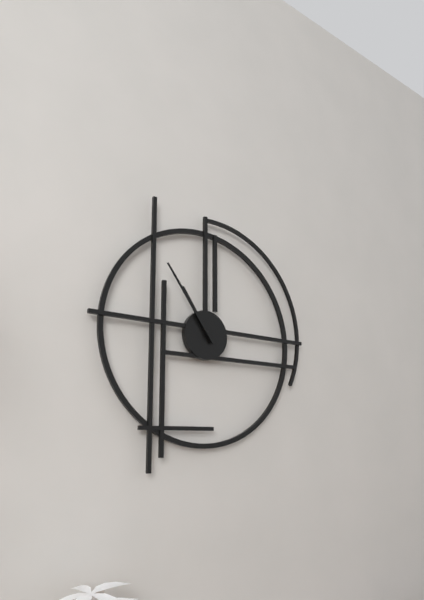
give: {"hour": 10, "minute": 54}
